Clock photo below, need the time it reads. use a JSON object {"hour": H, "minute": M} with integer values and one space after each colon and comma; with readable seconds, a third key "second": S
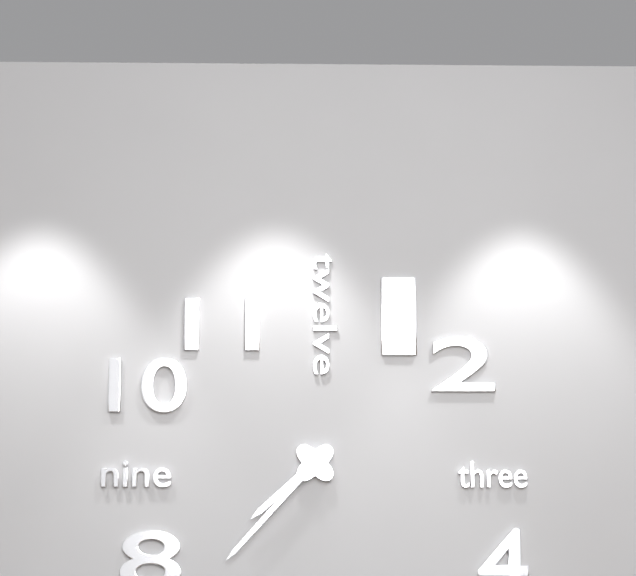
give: {"hour": 7, "minute": 37}
